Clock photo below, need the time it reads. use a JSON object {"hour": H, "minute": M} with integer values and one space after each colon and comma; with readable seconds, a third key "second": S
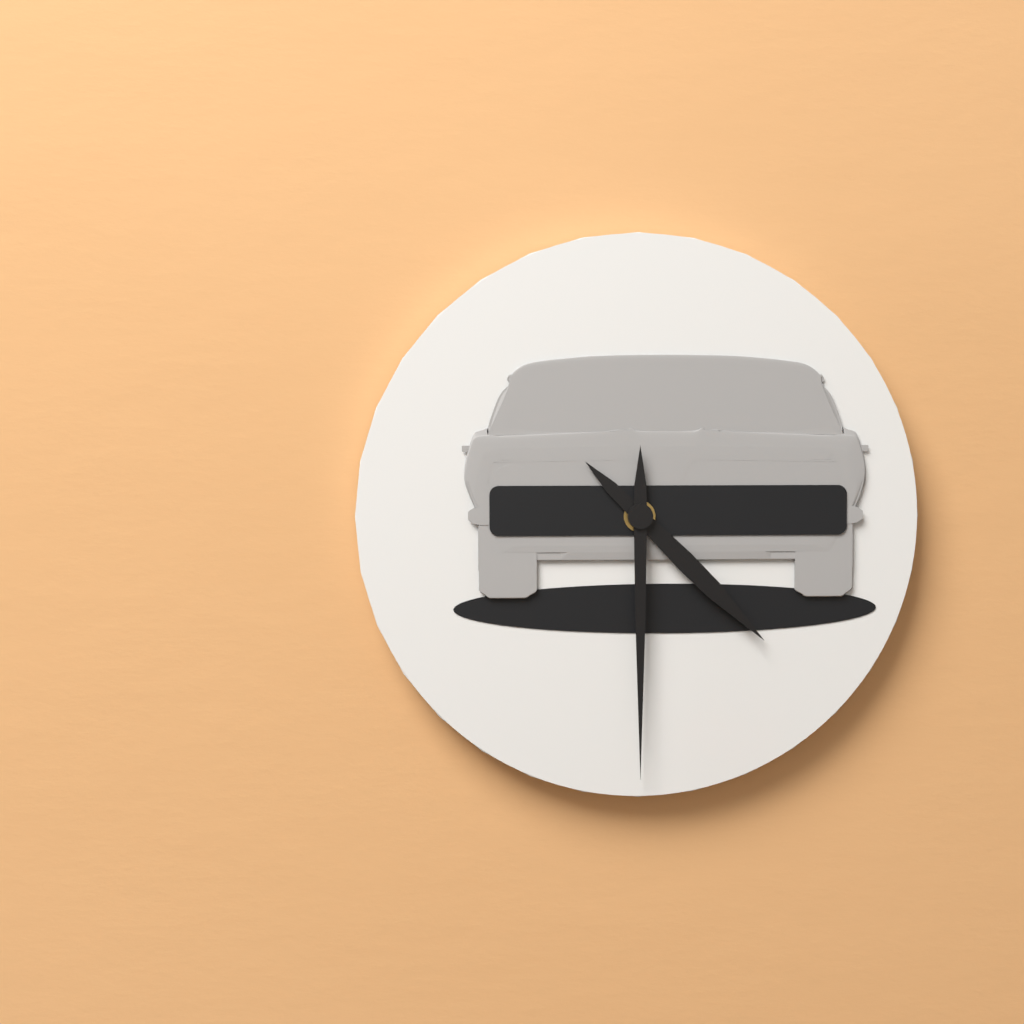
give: {"hour": 4, "minute": 30}
